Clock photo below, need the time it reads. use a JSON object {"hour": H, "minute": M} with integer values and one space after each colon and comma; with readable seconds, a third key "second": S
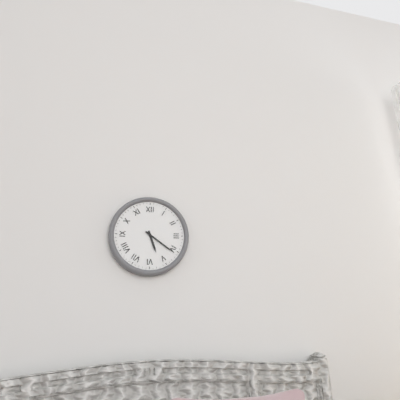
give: {"hour": 5, "minute": 21}
